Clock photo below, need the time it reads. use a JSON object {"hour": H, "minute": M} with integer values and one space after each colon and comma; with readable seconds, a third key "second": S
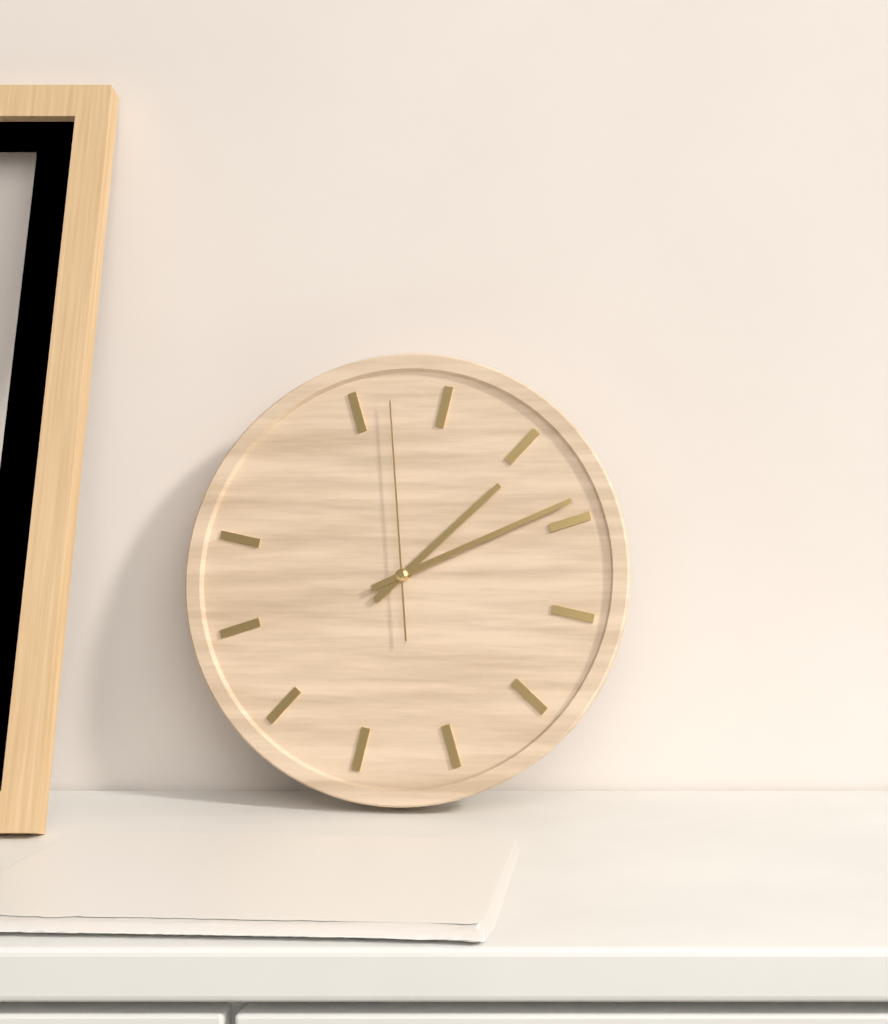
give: {"hour": 1, "minute": 9, "second": 57}
